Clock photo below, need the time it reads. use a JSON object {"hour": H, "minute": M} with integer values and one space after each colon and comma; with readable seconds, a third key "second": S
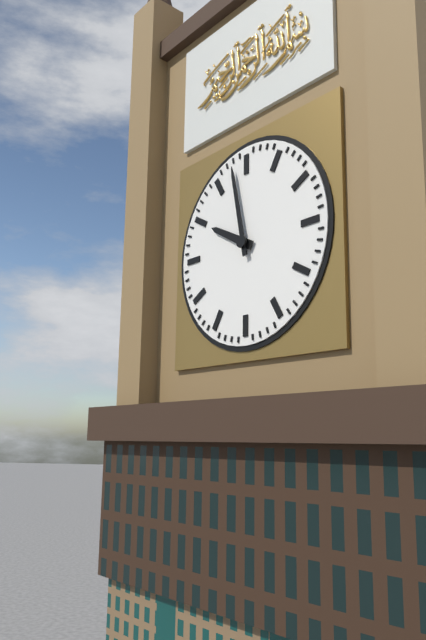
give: {"hour": 9, "minute": 58}
